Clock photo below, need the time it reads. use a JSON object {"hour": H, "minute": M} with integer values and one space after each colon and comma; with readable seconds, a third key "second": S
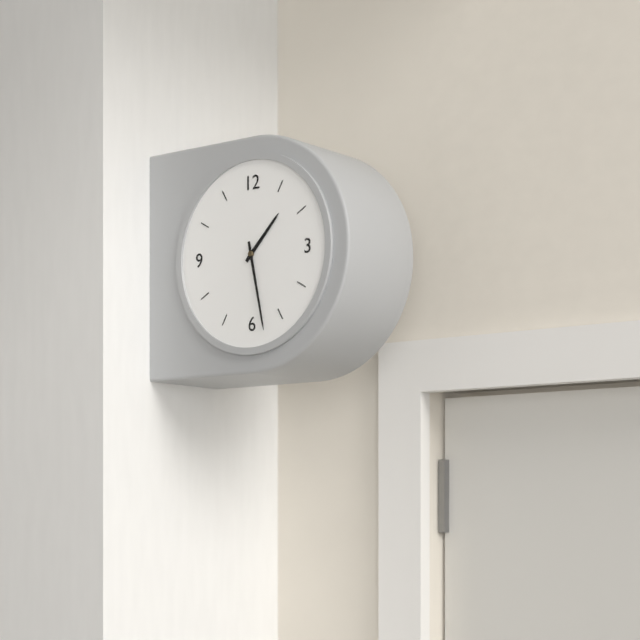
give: {"hour": 1, "minute": 28}
